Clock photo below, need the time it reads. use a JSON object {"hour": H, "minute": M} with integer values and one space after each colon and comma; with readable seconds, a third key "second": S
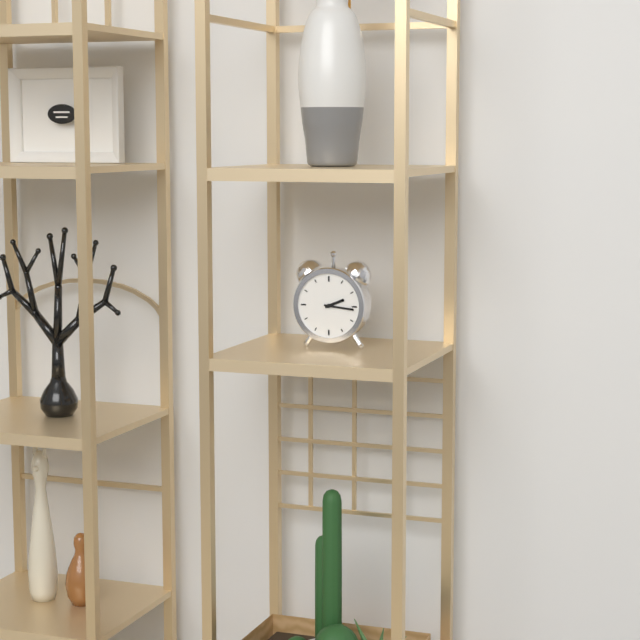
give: {"hour": 2, "minute": 16}
